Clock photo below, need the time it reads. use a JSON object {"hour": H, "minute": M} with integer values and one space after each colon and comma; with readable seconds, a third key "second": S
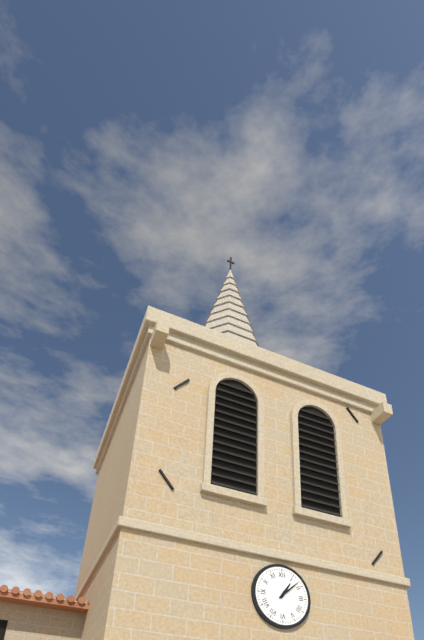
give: {"hour": 1, "minute": 8}
